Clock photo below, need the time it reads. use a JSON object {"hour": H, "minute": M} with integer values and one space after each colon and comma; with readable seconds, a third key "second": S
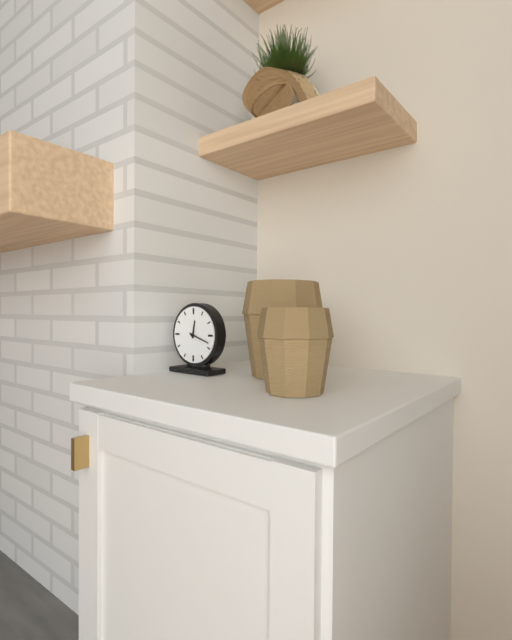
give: {"hour": 12, "minute": 18}
